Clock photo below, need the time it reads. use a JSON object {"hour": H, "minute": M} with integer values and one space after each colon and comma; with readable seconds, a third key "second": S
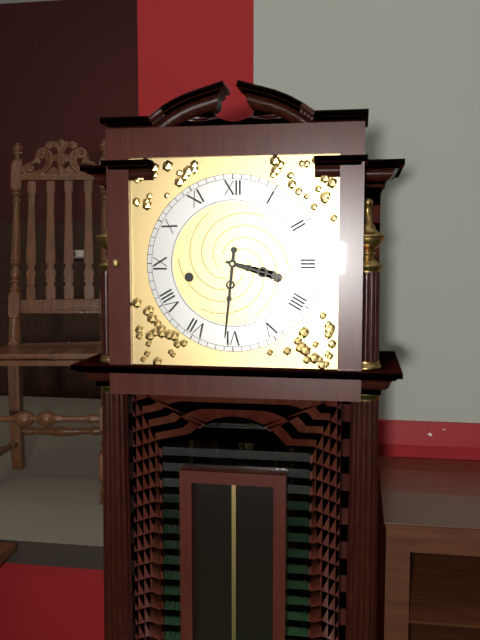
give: {"hour": 3, "minute": 31}
